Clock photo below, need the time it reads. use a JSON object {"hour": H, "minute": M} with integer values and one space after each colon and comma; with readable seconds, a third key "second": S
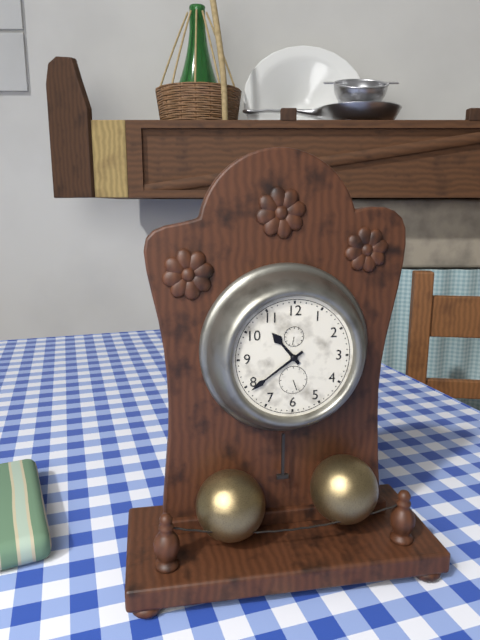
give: {"hour": 10, "minute": 39}
